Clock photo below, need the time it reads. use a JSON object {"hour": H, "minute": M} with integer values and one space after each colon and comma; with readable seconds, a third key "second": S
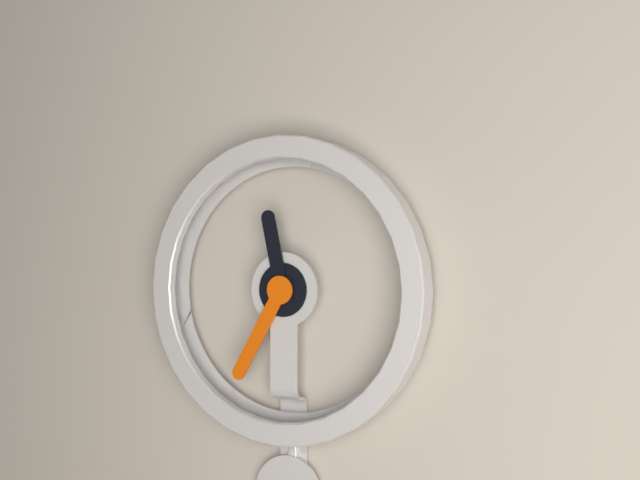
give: {"hour": 11, "minute": 35}
